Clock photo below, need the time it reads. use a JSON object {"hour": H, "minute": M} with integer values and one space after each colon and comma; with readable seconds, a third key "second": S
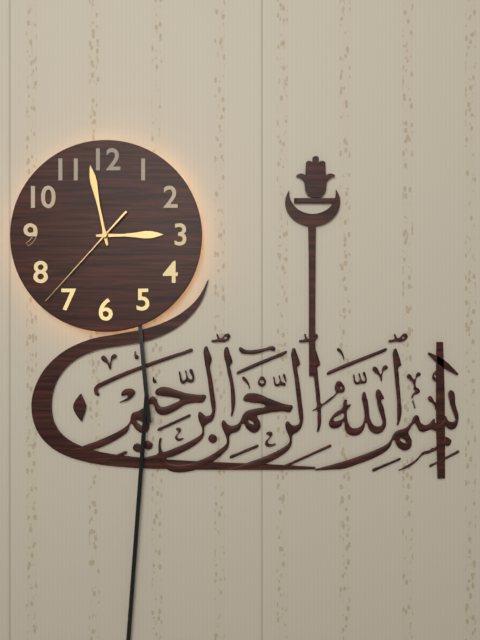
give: {"hour": 2, "minute": 58, "second": 37}
